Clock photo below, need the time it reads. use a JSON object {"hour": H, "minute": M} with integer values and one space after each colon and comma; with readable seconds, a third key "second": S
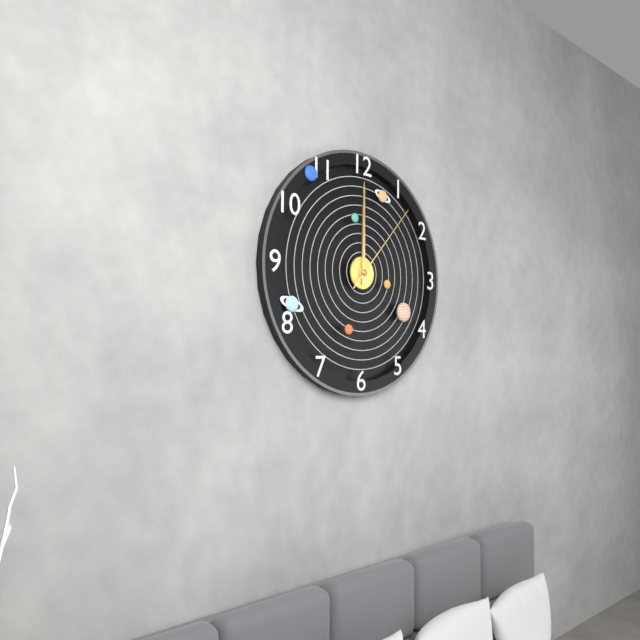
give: {"hour": 12, "minute": 0, "second": 7}
